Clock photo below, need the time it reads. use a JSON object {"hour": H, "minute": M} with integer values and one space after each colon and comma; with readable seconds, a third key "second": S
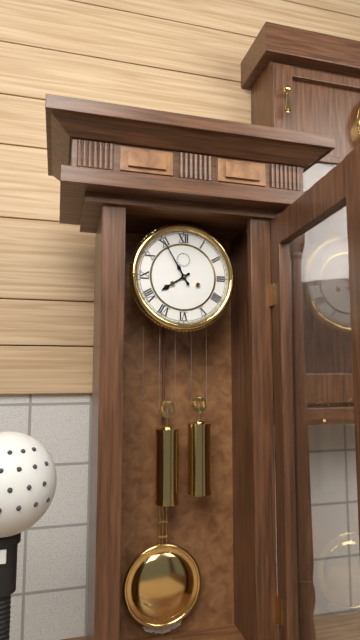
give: {"hour": 7, "minute": 55}
